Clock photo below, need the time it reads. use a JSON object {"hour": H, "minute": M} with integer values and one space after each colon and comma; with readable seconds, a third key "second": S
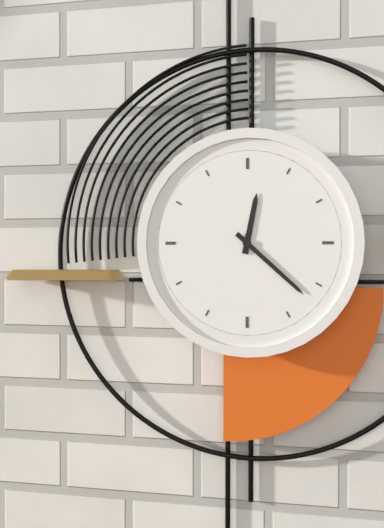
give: {"hour": 12, "minute": 22}
